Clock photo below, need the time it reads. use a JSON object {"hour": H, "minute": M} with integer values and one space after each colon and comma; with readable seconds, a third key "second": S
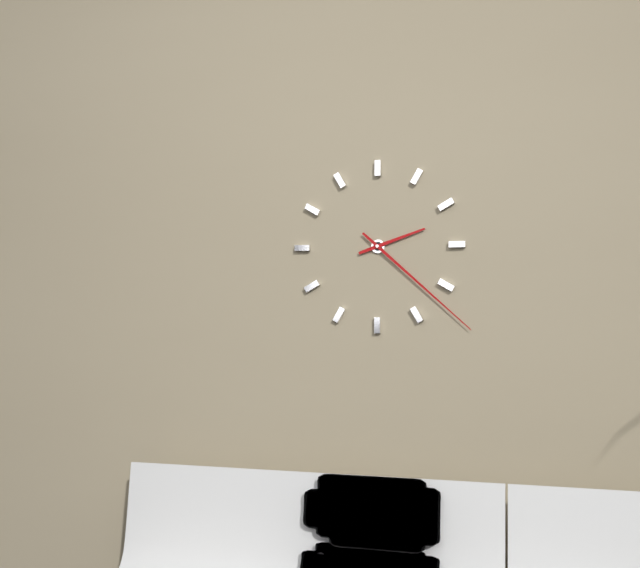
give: {"hour": 2, "minute": 22}
